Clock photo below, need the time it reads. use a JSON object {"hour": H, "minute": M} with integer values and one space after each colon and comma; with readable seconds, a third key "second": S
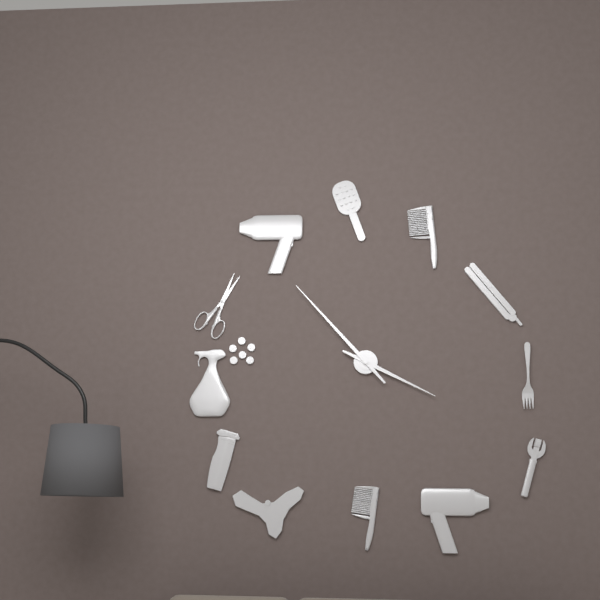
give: {"hour": 3, "minute": 53}
